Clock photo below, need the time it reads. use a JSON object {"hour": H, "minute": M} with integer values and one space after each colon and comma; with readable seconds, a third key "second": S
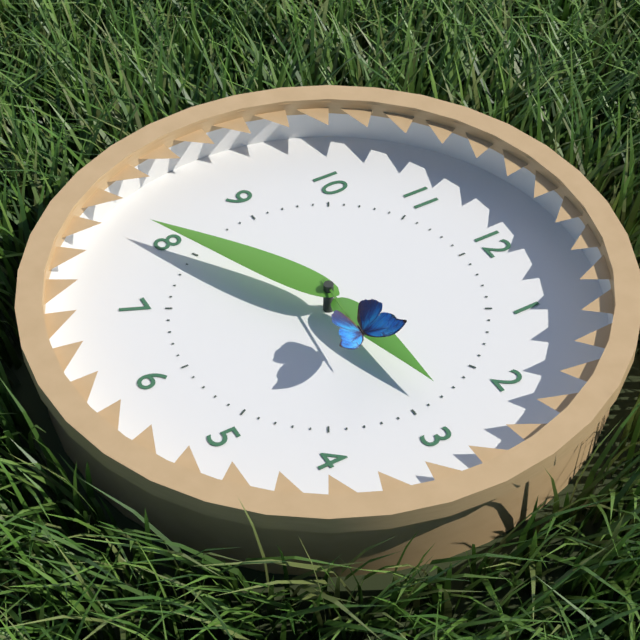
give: {"hour": 2, "minute": 40, "second": 16}
